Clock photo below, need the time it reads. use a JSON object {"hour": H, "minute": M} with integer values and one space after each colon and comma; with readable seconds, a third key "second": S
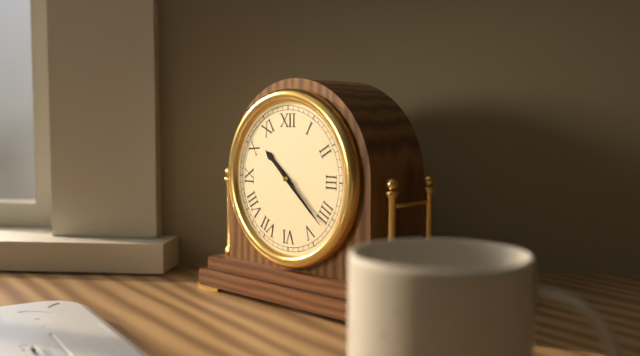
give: {"hour": 10, "minute": 22}
